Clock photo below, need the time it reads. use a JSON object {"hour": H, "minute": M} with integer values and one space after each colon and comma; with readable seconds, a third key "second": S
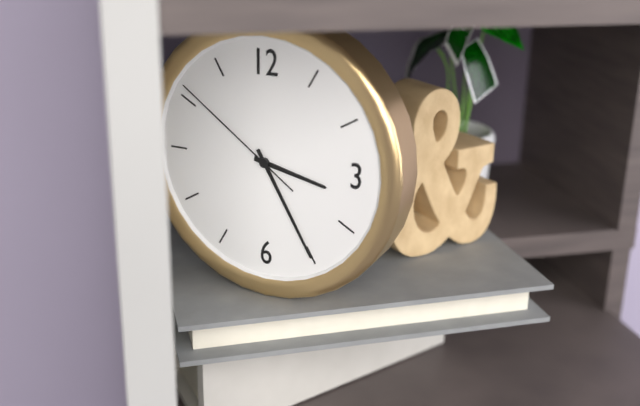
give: {"hour": 3, "minute": 25, "second": 51}
